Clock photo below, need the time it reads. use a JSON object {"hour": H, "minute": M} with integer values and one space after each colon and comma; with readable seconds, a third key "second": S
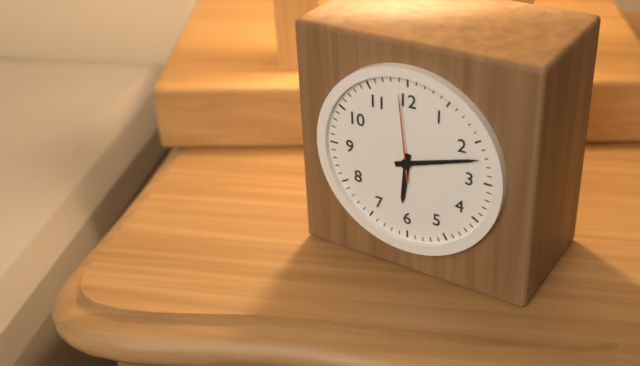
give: {"hour": 6, "minute": 12, "second": 59}
